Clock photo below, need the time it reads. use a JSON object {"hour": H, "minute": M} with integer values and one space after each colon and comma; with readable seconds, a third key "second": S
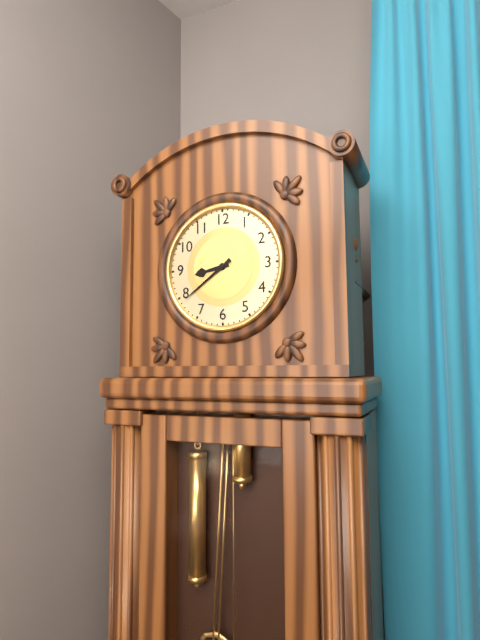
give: {"hour": 8, "minute": 39}
